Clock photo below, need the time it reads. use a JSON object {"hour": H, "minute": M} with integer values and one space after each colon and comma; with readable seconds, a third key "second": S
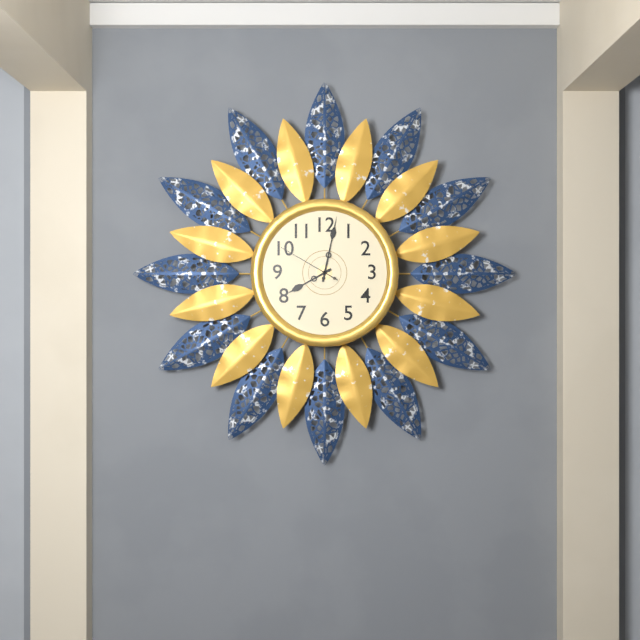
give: {"hour": 8, "minute": 2, "second": 50}
